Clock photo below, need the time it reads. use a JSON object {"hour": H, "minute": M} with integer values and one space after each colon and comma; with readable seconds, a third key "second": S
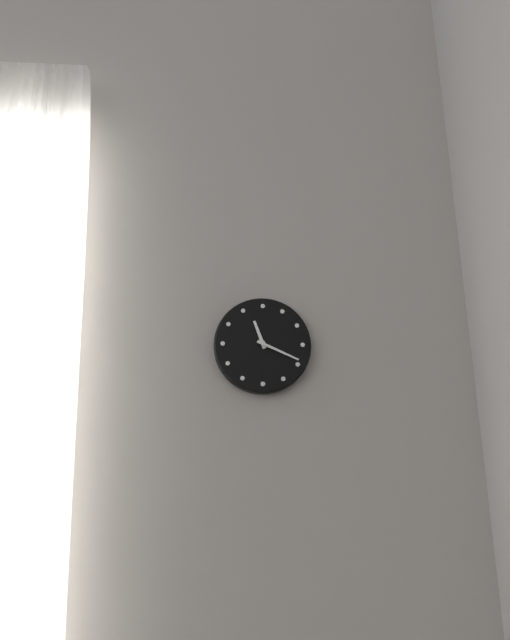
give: {"hour": 11, "minute": 19}
